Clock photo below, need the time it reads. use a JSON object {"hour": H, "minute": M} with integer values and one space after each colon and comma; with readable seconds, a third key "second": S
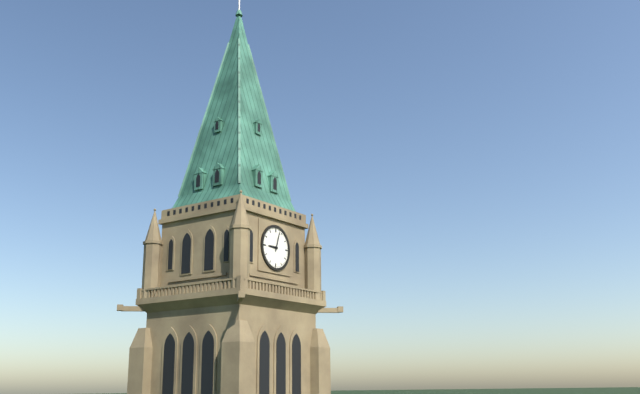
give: {"hour": 9, "minute": 3}
